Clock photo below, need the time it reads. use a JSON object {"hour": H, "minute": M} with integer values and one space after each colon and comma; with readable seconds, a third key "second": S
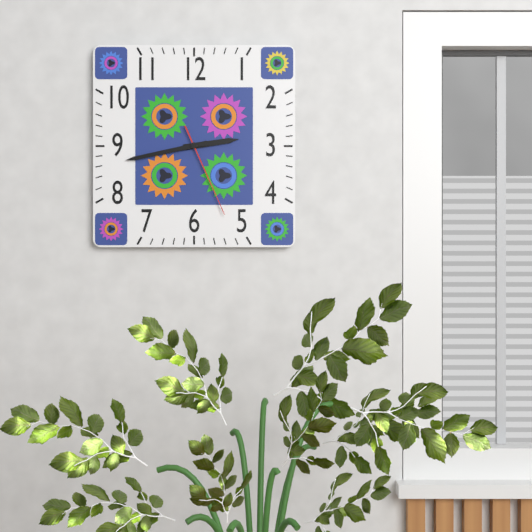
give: {"hour": 2, "minute": 43, "second": 26}
